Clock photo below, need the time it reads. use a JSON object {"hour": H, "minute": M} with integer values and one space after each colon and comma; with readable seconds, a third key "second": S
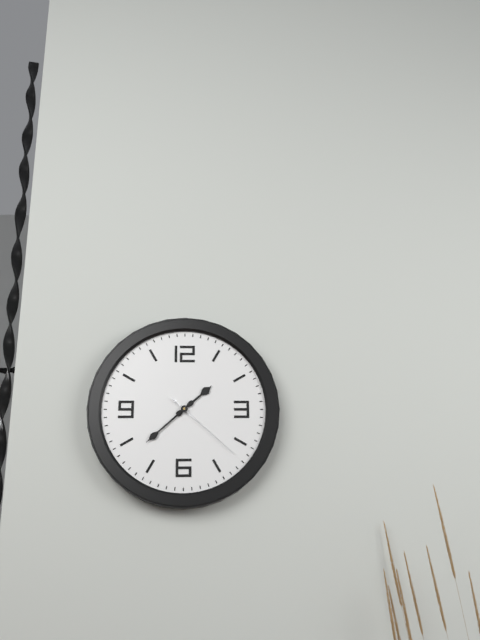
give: {"hour": 1, "minute": 38, "second": 22}
